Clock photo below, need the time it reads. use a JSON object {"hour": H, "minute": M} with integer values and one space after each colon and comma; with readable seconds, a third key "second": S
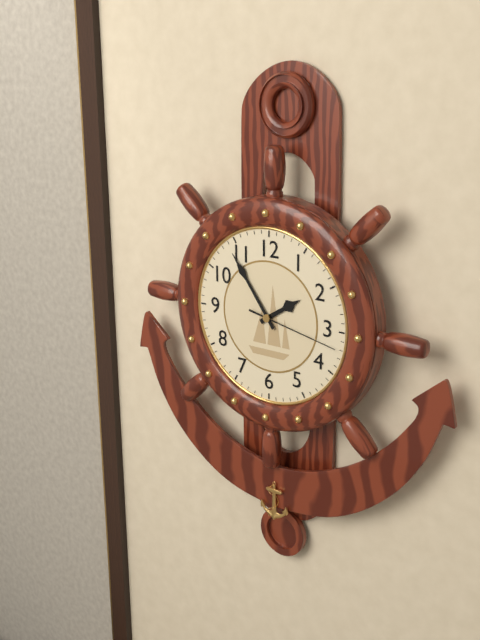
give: {"hour": 1, "minute": 54, "second": 17}
